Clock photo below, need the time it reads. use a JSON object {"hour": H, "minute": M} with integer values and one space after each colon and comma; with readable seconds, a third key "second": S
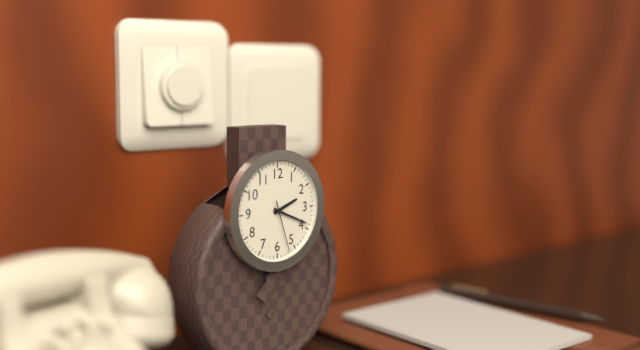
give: {"hour": 2, "minute": 19, "second": 27}
